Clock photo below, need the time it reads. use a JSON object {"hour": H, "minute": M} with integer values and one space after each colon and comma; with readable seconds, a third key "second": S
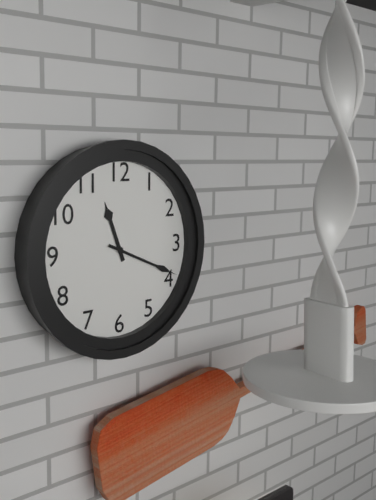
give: {"hour": 11, "minute": 19}
